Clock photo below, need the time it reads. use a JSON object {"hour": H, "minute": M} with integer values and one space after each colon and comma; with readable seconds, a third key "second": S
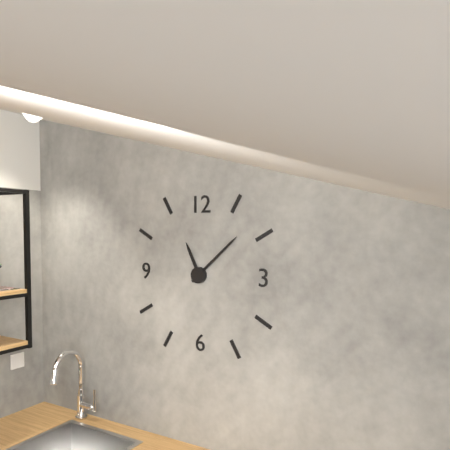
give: {"hour": 11, "minute": 8}
